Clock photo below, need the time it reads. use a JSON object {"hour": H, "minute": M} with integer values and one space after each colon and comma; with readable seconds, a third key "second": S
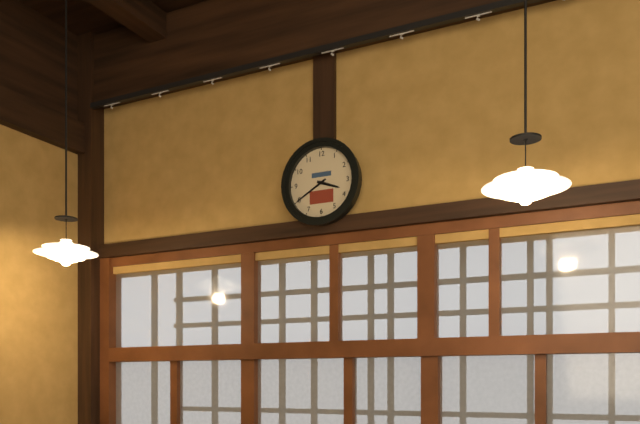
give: {"hour": 3, "minute": 40}
